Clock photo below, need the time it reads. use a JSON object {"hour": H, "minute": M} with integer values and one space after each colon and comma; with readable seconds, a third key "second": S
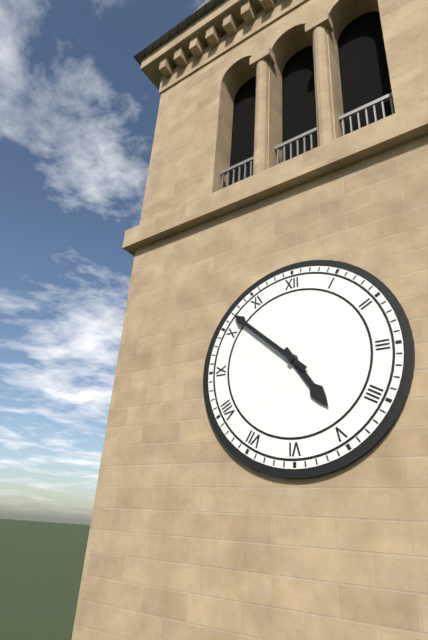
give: {"hour": 4, "minute": 52}
